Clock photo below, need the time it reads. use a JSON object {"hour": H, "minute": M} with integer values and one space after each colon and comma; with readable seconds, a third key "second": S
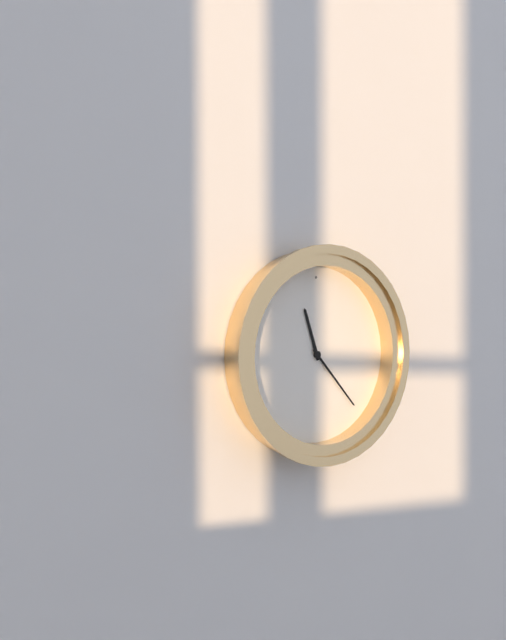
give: {"hour": 11, "minute": 23}
